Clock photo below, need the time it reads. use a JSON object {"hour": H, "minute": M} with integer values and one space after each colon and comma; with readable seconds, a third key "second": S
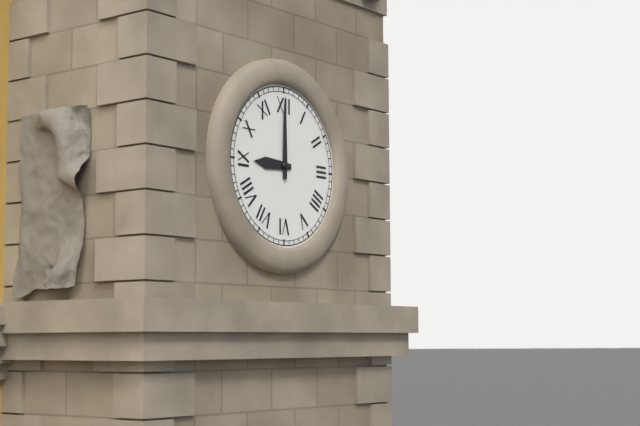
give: {"hour": 9, "minute": 0}
